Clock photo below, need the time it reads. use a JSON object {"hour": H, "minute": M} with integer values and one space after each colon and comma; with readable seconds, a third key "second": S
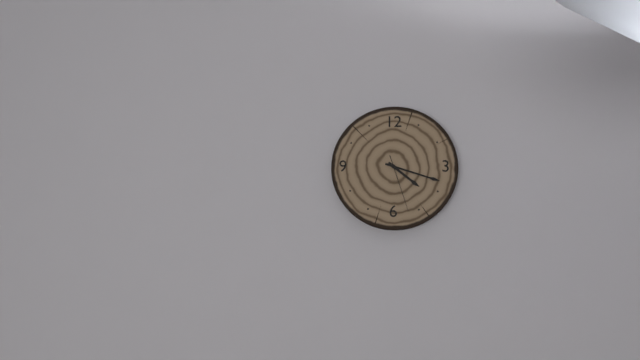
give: {"hour": 4, "minute": 18, "second": 27}
